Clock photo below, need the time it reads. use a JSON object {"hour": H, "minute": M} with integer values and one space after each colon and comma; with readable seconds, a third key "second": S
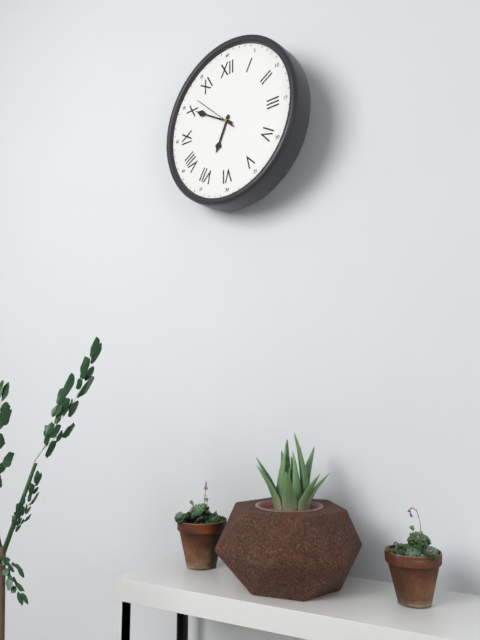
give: {"hour": 6, "minute": 50}
